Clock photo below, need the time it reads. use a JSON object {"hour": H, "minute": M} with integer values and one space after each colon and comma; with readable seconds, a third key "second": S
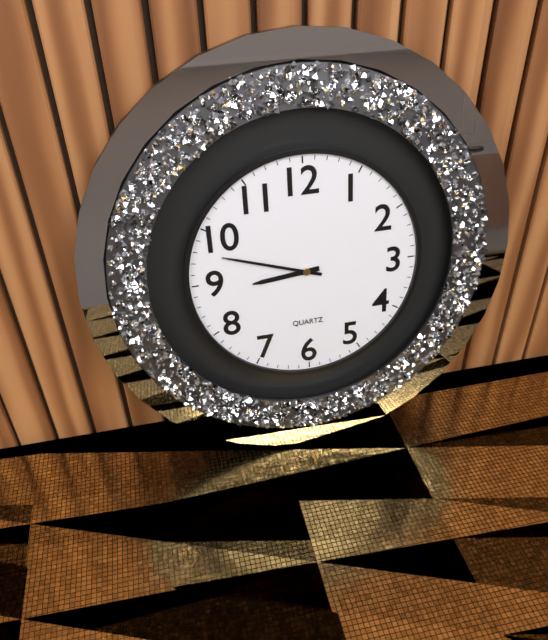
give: {"hour": 8, "minute": 48}
